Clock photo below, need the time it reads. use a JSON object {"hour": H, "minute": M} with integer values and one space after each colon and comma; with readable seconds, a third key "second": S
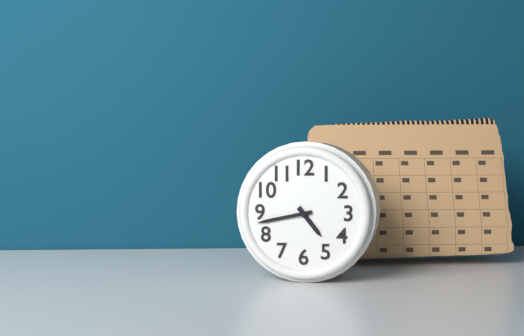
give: {"hour": 4, "minute": 43}
